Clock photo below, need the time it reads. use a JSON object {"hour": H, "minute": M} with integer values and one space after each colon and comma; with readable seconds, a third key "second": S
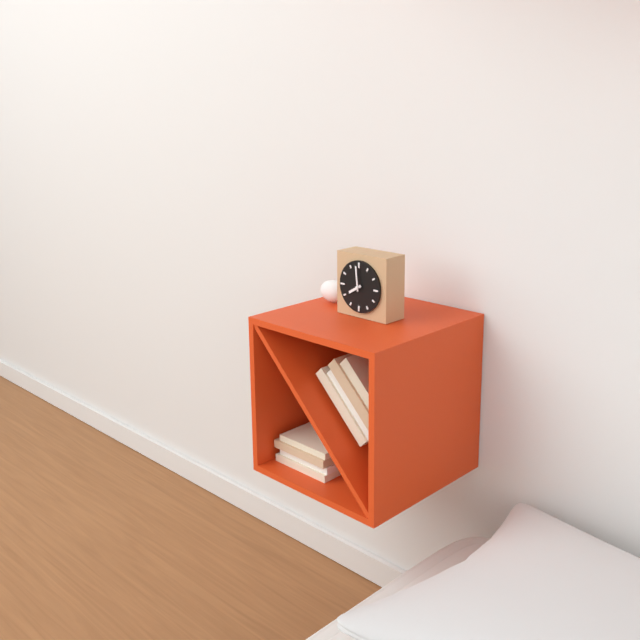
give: {"hour": 7, "minute": 59}
